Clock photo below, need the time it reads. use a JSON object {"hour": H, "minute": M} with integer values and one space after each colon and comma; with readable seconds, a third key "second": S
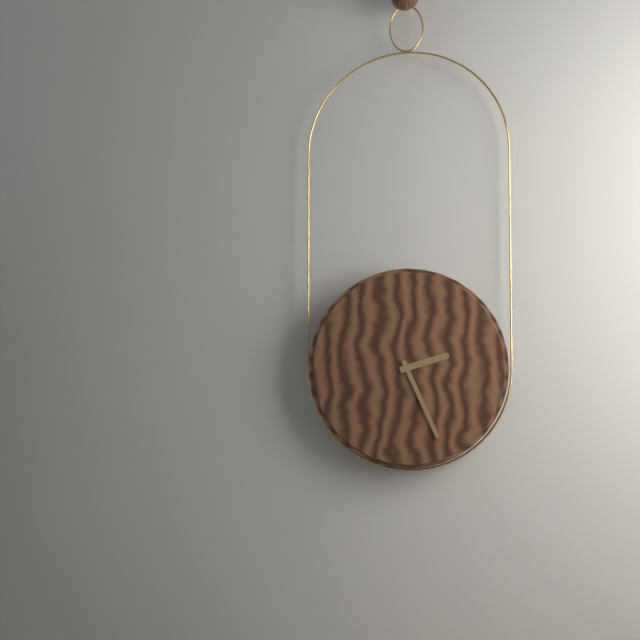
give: {"hour": 2, "minute": 26}
